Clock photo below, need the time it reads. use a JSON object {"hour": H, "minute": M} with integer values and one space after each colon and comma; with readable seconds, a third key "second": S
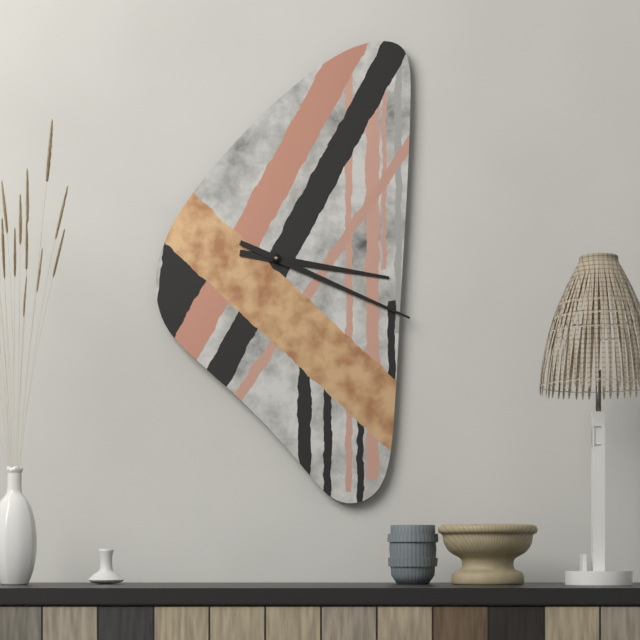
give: {"hour": 3, "minute": 19}
